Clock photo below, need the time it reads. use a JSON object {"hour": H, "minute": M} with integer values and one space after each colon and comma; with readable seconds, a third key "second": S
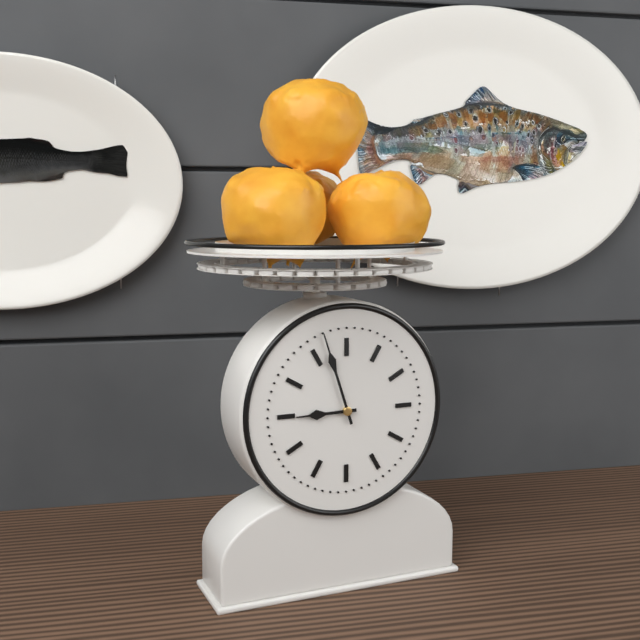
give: {"hour": 8, "minute": 57}
